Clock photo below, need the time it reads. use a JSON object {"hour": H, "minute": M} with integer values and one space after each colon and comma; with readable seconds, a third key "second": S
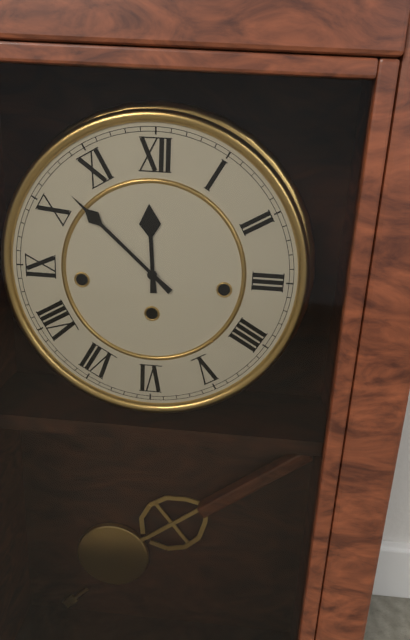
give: {"hour": 11, "minute": 52}
